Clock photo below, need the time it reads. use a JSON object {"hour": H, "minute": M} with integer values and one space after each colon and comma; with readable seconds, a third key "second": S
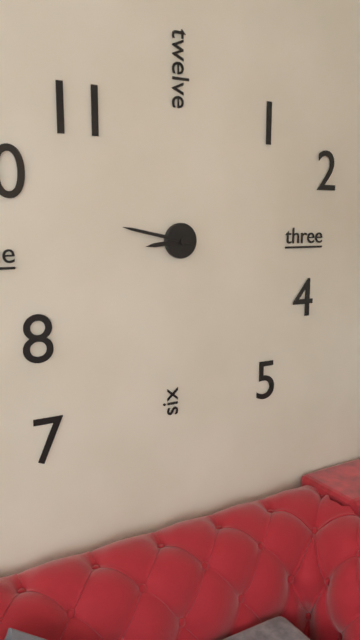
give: {"hour": 8, "minute": 47}
